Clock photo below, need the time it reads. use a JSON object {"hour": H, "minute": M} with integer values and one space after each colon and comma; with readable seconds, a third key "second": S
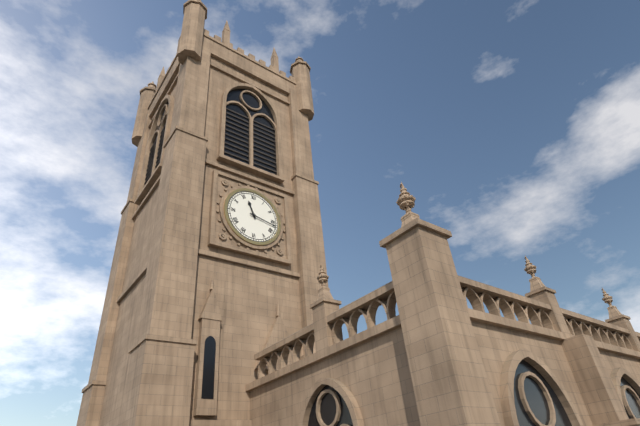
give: {"hour": 11, "minute": 17}
